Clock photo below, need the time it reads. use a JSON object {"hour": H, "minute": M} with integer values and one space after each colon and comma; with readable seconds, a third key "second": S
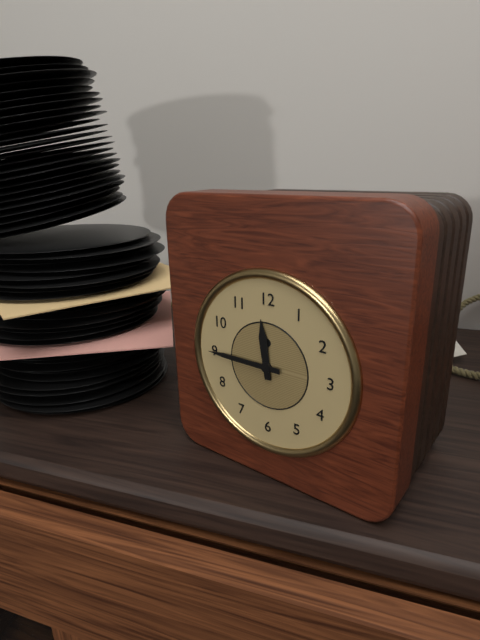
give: {"hour": 11, "minute": 45}
